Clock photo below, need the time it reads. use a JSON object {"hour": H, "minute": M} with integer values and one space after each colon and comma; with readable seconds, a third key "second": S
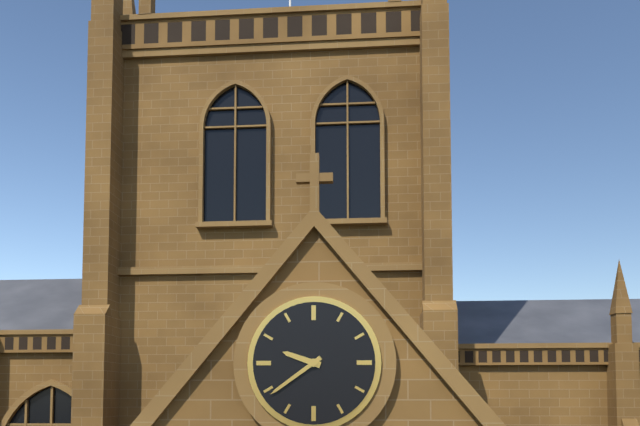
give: {"hour": 9, "minute": 39}
